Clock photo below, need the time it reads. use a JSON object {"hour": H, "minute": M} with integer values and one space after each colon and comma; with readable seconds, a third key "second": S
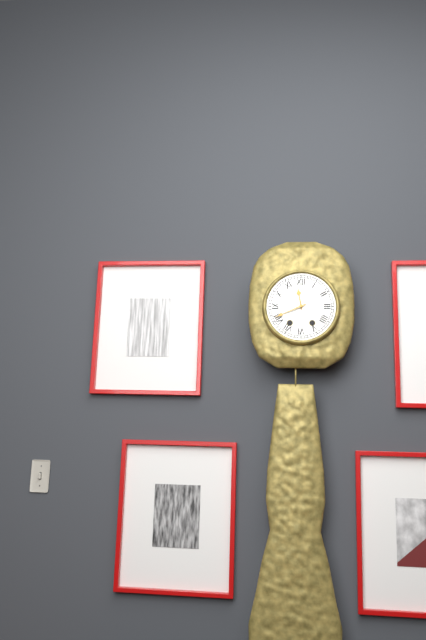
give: {"hour": 11, "minute": 41}
